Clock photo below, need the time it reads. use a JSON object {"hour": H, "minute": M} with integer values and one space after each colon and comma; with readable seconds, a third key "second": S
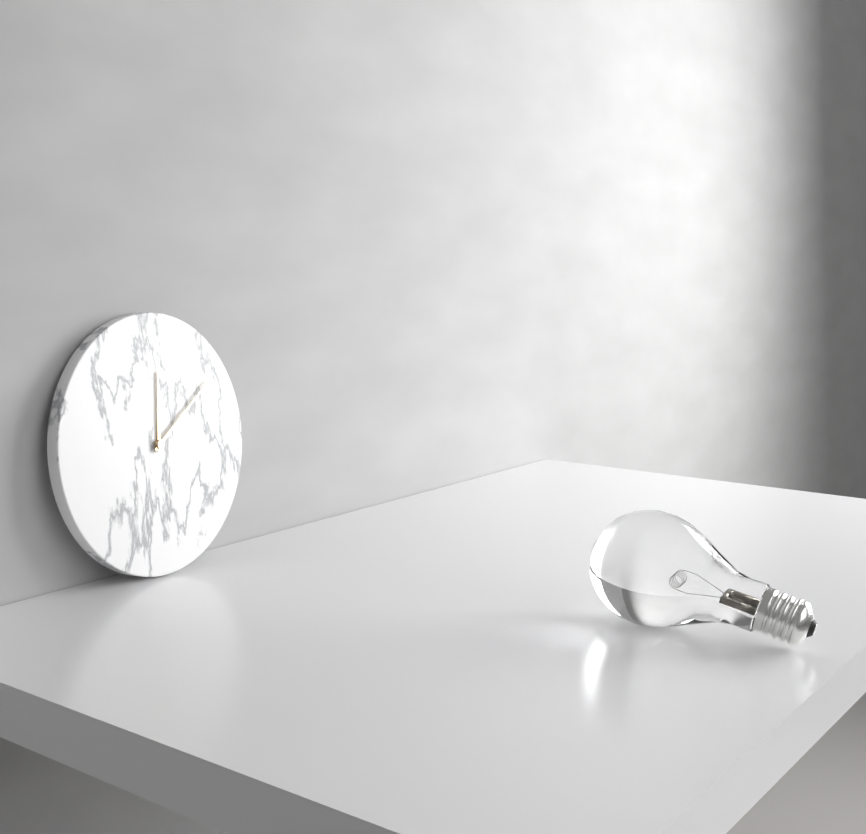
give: {"hour": 12, "minute": 9}
